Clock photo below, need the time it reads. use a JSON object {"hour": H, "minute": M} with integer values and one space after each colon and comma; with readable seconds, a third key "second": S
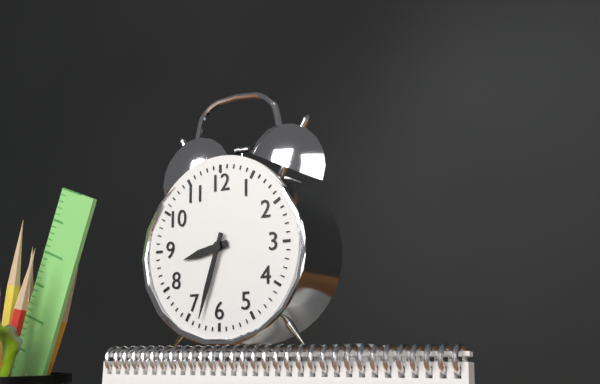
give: {"hour": 8, "minute": 33}
